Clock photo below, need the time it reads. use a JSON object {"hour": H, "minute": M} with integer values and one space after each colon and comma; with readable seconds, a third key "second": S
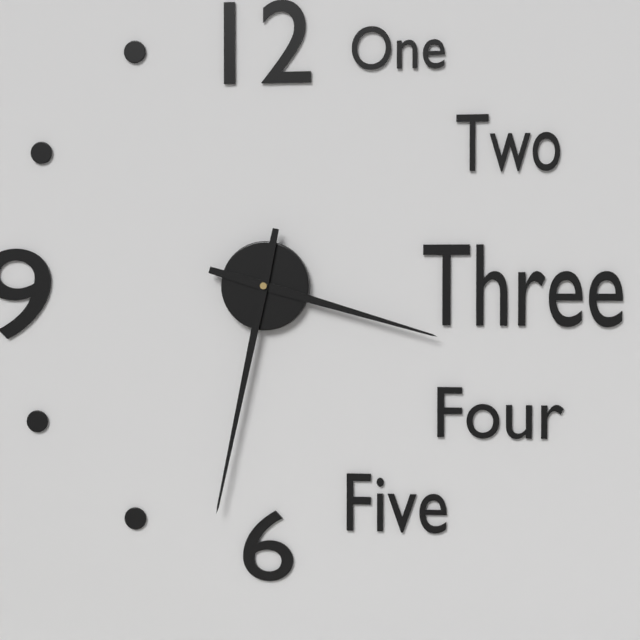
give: {"hour": 3, "minute": 32}
